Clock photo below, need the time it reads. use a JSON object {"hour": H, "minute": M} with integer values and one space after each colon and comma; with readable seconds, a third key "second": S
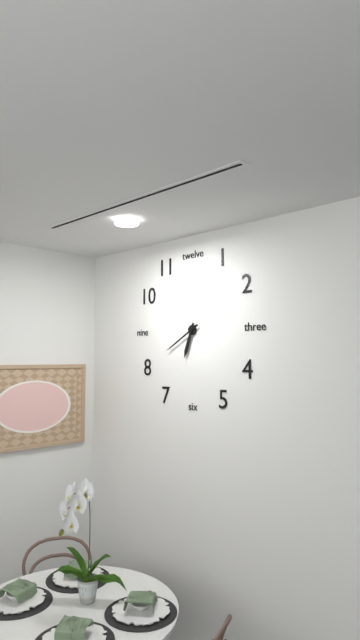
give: {"hour": 6, "minute": 40}
